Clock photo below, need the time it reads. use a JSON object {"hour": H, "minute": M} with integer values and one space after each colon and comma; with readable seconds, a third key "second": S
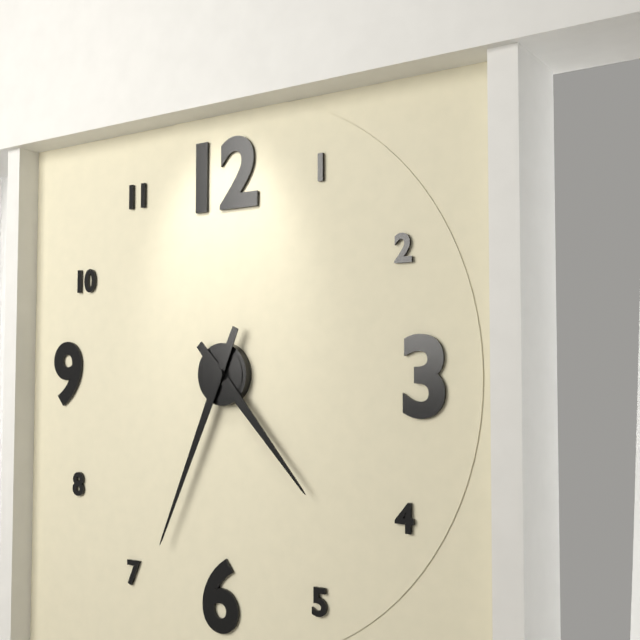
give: {"hour": 4, "minute": 34}
